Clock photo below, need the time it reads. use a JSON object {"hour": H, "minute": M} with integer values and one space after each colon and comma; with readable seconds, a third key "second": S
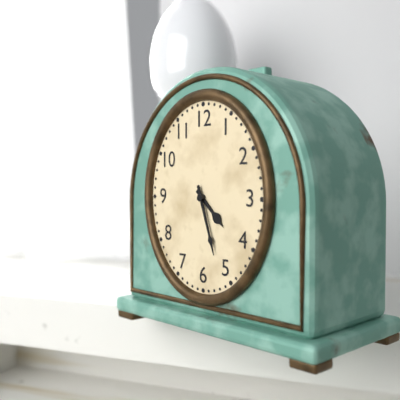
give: {"hour": 4, "minute": 27}
